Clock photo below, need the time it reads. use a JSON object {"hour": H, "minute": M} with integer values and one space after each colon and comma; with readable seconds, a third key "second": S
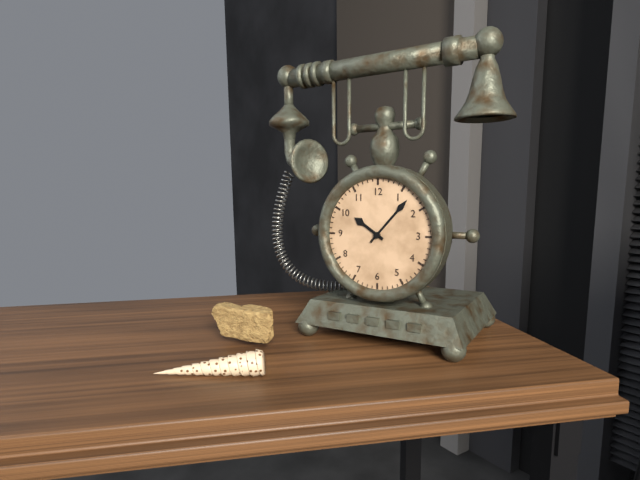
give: {"hour": 10, "minute": 7}
